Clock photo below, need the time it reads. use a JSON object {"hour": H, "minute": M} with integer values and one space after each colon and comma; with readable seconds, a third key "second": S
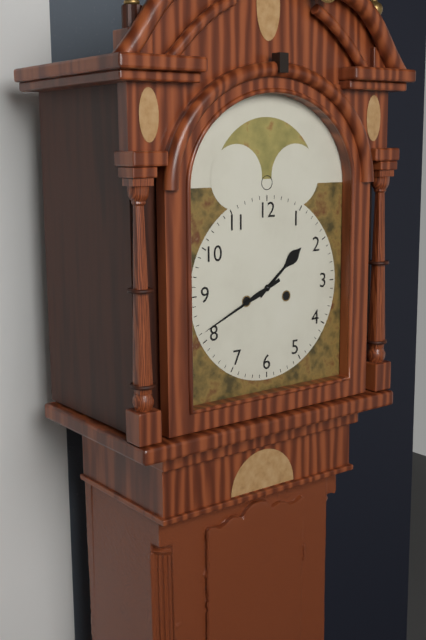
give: {"hour": 1, "minute": 41}
